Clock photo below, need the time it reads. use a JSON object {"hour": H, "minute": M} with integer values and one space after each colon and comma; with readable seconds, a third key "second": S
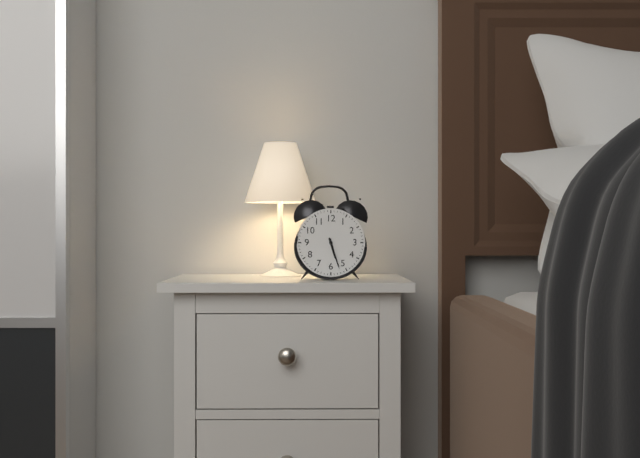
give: {"hour": 5, "minute": 27}
